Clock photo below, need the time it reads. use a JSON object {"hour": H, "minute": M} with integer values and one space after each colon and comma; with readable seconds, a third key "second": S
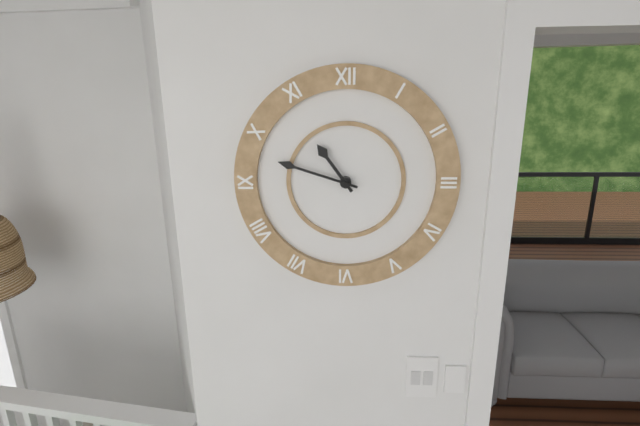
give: {"hour": 10, "minute": 48}
